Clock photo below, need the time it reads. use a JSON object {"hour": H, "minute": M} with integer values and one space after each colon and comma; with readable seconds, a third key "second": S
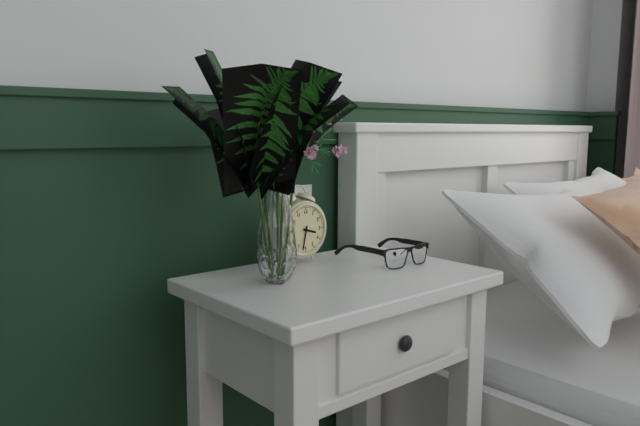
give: {"hour": 3, "minute": 32}
